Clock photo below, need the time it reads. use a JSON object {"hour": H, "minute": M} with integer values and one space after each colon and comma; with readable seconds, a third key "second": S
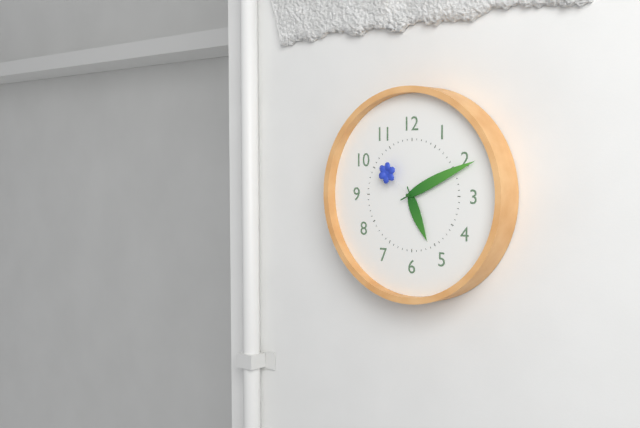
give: {"hour": 5, "minute": 11, "second": 52}
